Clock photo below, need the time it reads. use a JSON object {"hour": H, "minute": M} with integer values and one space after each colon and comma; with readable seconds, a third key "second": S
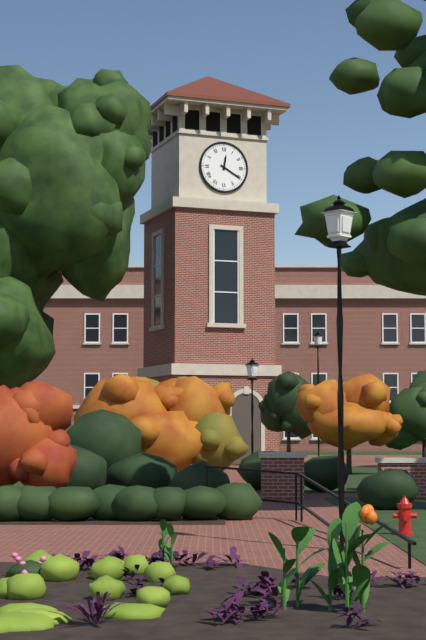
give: {"hour": 12, "minute": 20}
